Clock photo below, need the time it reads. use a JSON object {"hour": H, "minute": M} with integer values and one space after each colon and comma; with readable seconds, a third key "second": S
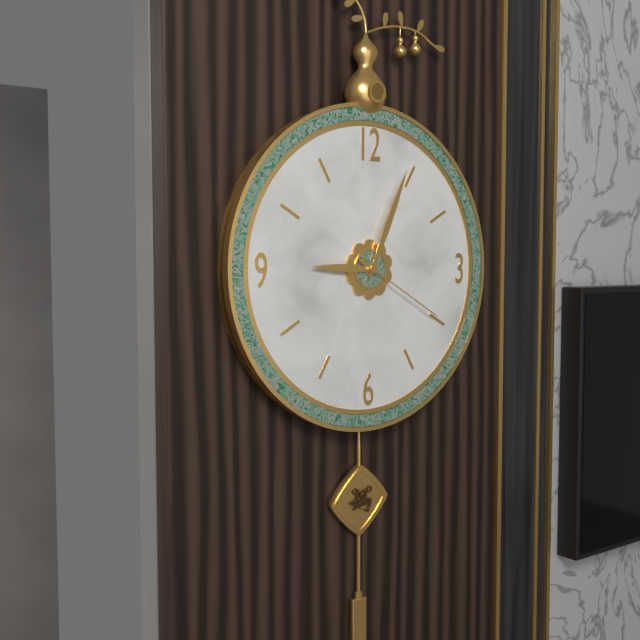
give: {"hour": 9, "minute": 4, "second": 20}
